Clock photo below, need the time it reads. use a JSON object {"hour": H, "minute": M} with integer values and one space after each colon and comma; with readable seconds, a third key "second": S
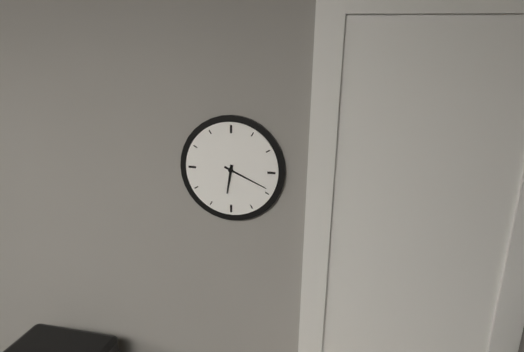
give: {"hour": 6, "minute": 19}
